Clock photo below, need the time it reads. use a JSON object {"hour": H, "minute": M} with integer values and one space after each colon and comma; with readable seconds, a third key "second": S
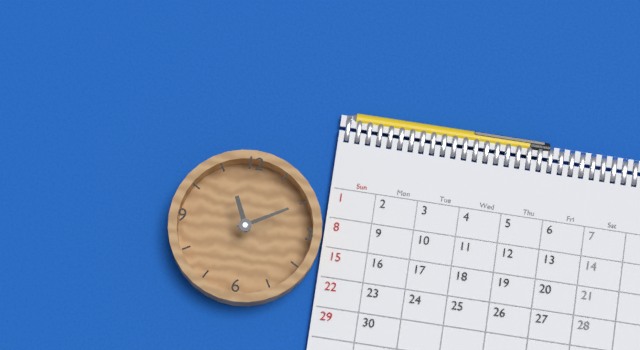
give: {"hour": 11, "minute": 10}
